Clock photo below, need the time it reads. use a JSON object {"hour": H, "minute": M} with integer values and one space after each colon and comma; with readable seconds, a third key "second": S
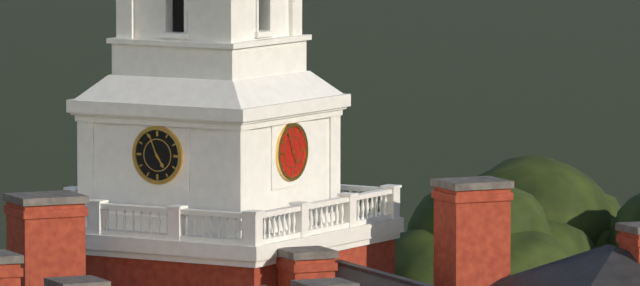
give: {"hour": 4, "minute": 56}
